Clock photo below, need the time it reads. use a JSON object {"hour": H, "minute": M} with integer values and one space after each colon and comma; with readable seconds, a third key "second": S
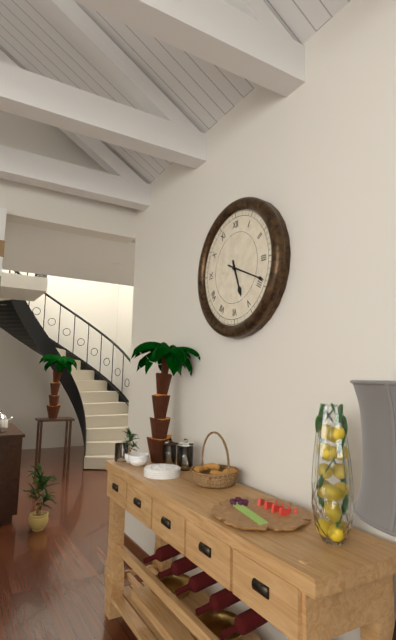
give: {"hour": 5, "minute": 19}
